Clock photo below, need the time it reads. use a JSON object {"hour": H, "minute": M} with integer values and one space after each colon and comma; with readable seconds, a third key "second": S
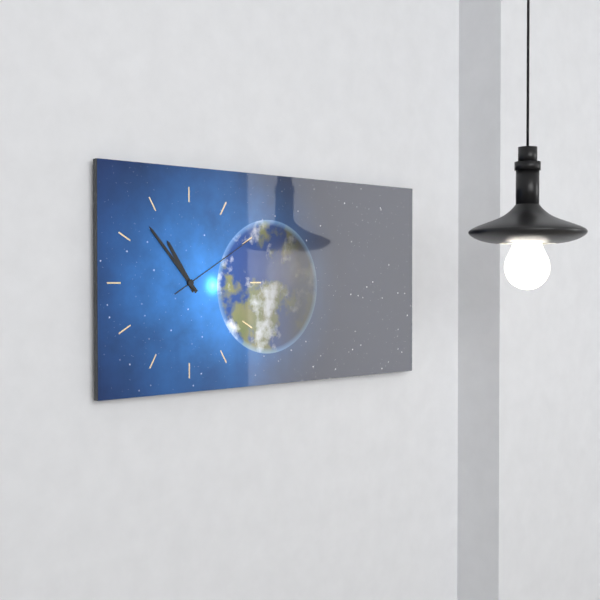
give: {"hour": 10, "minute": 53, "second": 10}
